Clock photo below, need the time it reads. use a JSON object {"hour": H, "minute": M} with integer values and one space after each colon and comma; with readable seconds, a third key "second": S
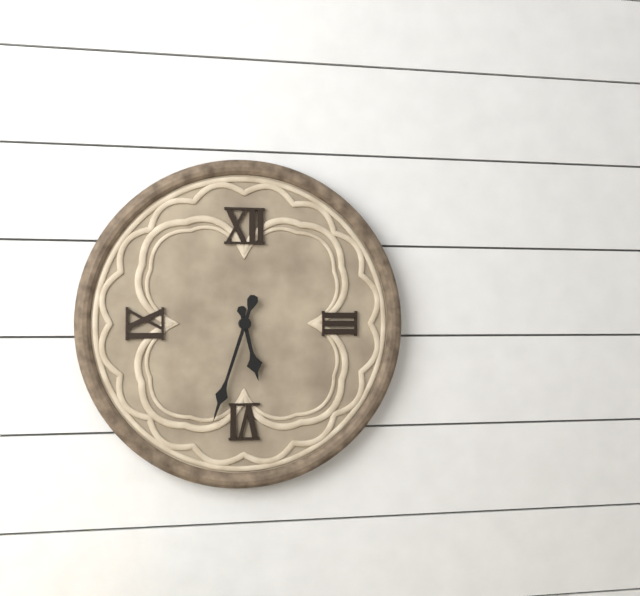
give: {"hour": 5, "minute": 33}
